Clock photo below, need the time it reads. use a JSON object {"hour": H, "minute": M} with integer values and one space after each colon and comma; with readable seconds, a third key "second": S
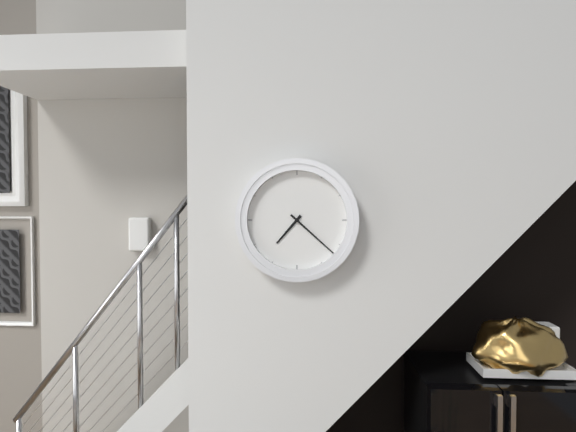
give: {"hour": 7, "minute": 22}
